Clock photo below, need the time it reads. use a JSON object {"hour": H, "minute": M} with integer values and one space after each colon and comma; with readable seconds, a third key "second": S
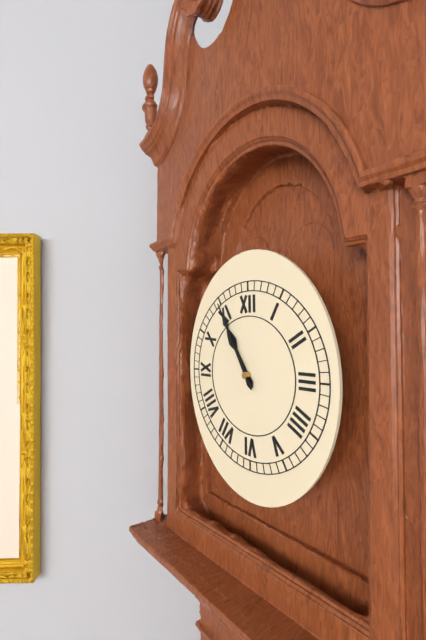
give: {"hour": 10, "minute": 55}
